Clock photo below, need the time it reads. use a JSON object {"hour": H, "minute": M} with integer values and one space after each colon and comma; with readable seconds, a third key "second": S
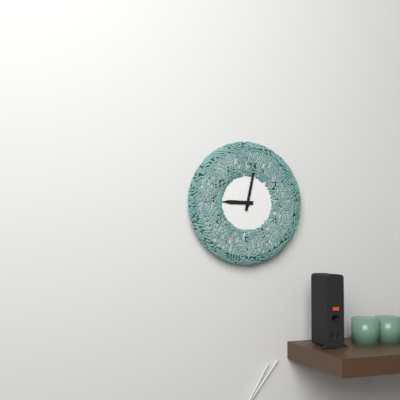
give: {"hour": 9, "minute": 2}
